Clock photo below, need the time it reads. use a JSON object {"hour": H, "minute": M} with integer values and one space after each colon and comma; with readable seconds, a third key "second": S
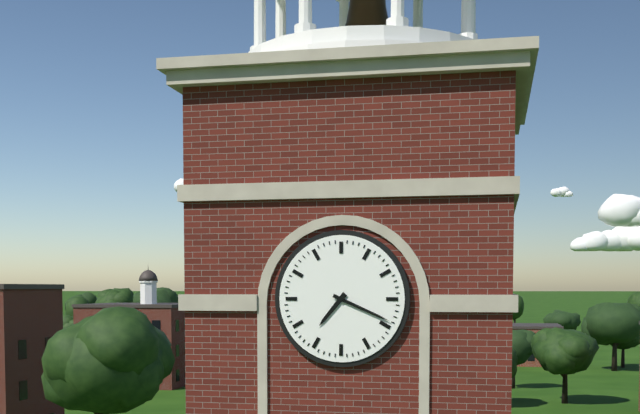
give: {"hour": 7, "minute": 19}
